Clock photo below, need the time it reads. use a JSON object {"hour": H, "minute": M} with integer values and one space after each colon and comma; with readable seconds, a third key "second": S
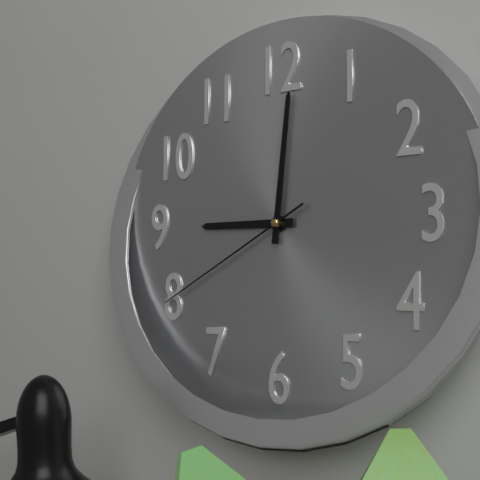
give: {"hour": 9, "minute": 1, "second": 40}
